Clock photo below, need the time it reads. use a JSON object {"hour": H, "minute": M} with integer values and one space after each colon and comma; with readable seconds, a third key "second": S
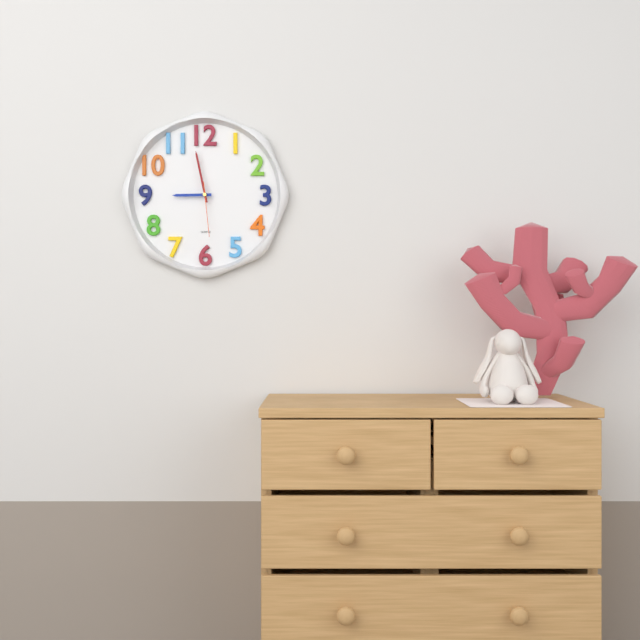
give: {"hour": 8, "minute": 58, "second": 29}
